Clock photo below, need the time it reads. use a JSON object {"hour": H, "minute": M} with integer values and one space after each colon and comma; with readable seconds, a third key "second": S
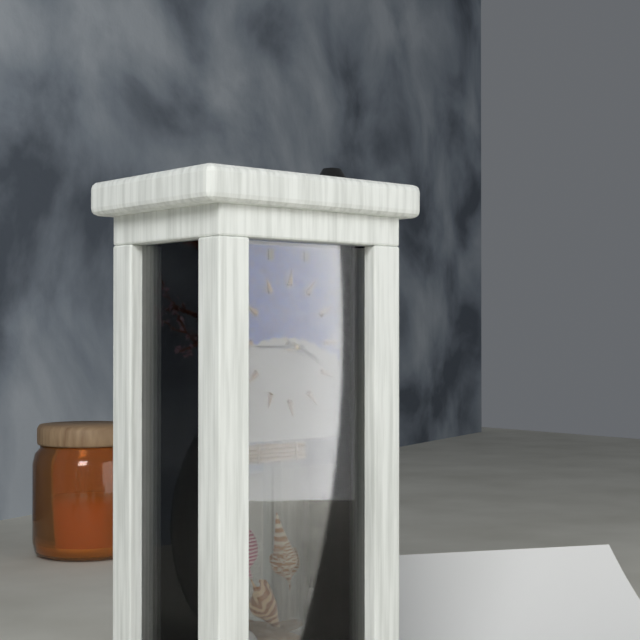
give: {"hour": 3, "minute": 45, "second": 20}
